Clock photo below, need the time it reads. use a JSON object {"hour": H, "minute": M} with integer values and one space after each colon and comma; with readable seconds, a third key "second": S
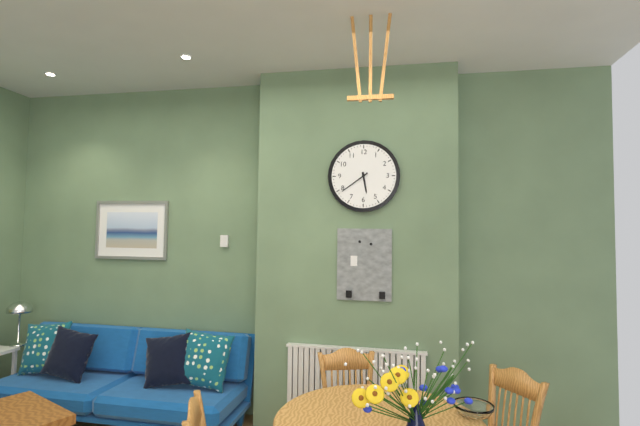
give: {"hour": 5, "minute": 39}
